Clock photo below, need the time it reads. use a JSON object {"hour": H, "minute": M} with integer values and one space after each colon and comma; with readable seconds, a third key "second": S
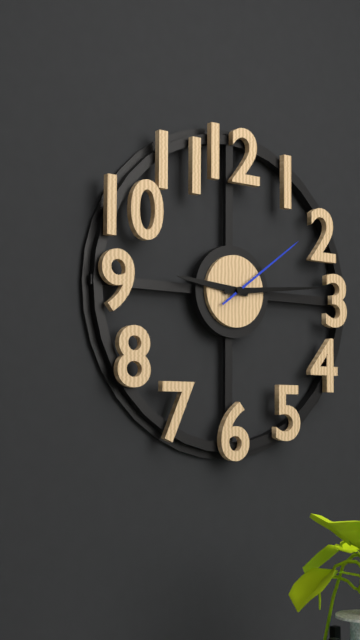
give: {"hour": 9, "minute": 14, "second": 9}
